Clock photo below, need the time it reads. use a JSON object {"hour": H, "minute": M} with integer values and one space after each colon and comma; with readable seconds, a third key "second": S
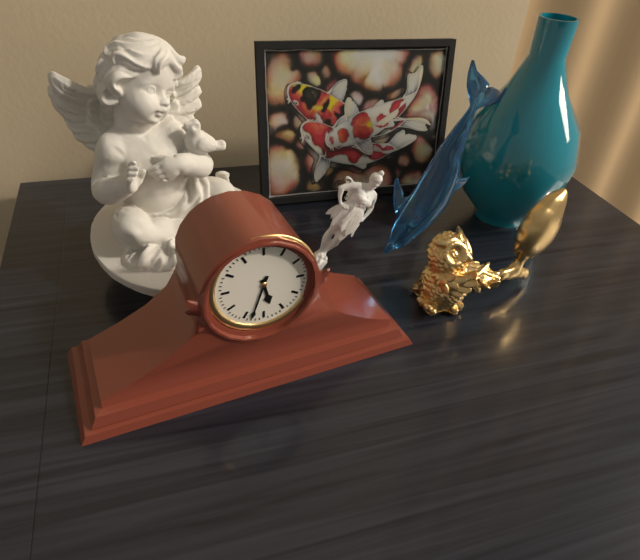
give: {"hour": 5, "minute": 33}
